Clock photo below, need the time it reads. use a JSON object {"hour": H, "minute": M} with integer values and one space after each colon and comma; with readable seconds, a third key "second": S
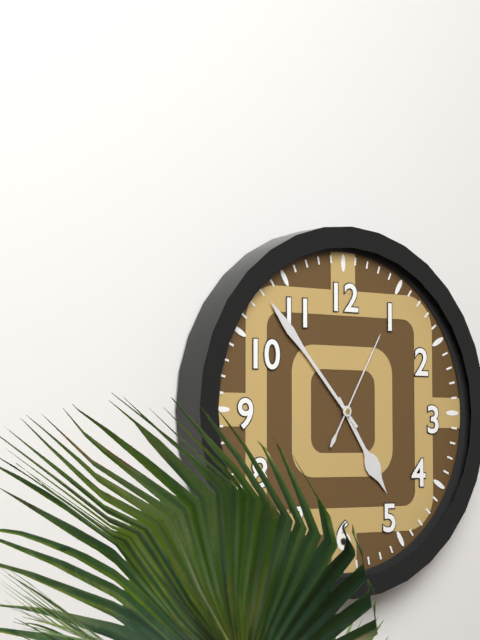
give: {"hour": 4, "minute": 53, "second": 5}
